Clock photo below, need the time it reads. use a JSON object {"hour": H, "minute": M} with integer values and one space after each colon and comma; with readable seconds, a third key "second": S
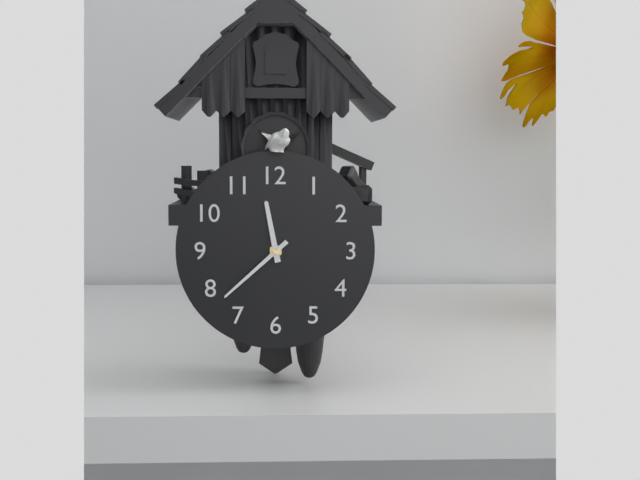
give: {"hour": 11, "minute": 38}
